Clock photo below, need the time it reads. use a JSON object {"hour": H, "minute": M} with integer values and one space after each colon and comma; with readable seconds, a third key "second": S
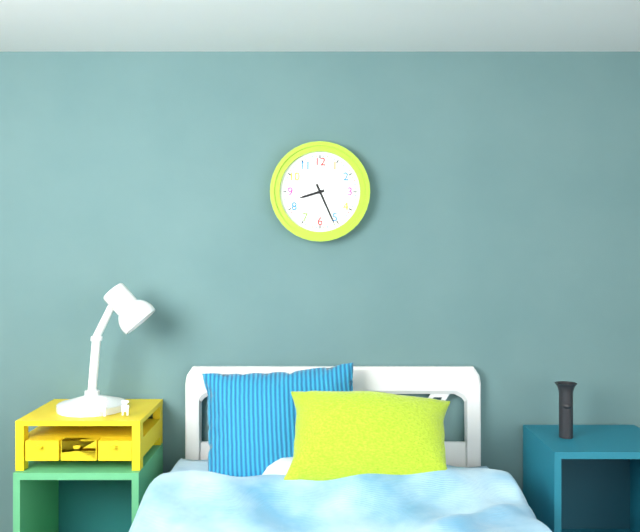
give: {"hour": 8, "minute": 26}
